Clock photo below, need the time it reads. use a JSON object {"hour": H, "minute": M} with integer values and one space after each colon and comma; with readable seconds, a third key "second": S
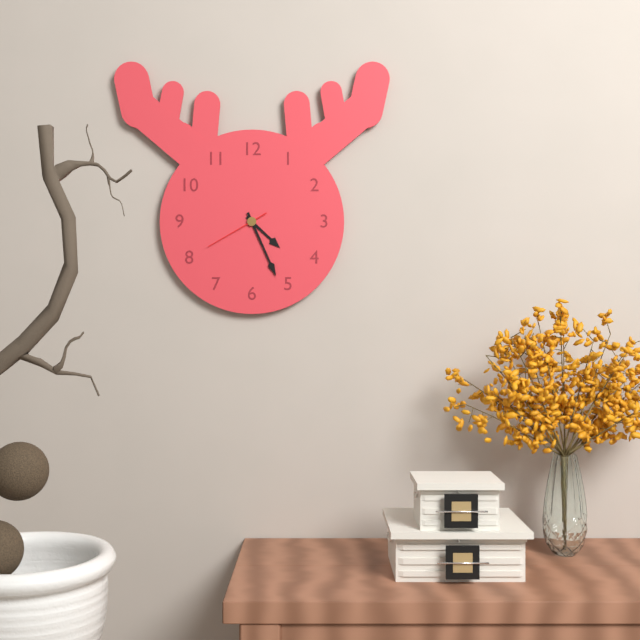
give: {"hour": 4, "minute": 26, "second": 40}
